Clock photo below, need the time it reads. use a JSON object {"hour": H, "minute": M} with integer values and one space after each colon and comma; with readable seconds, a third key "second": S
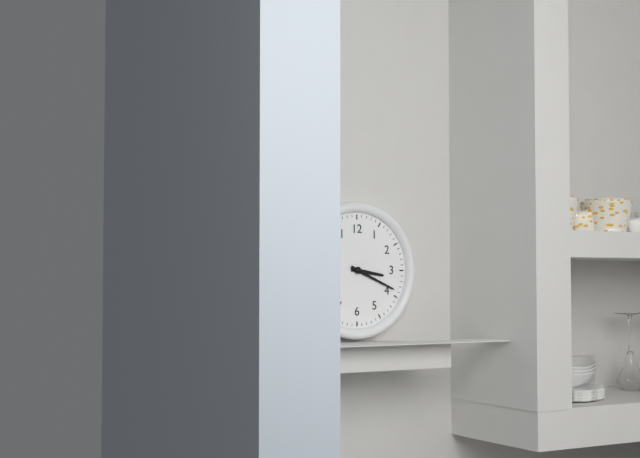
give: {"hour": 3, "minute": 19}
